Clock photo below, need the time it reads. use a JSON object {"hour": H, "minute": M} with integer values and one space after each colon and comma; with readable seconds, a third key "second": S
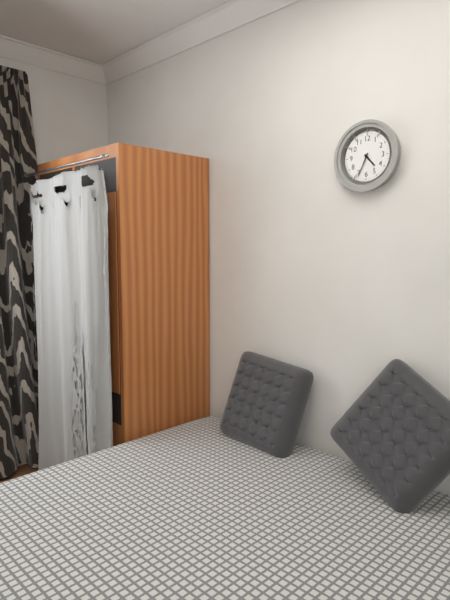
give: {"hour": 4, "minute": 34}
